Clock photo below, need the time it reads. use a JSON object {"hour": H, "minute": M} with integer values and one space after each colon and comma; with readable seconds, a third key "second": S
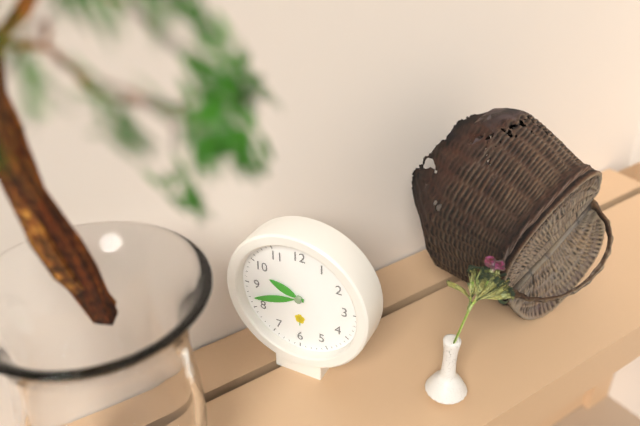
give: {"hour": 9, "minute": 42}
